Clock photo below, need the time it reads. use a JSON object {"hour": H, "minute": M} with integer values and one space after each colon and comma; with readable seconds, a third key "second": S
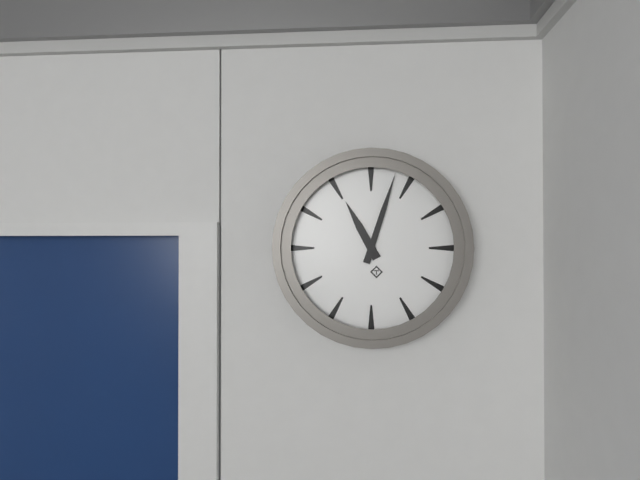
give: {"hour": 11, "minute": 3}
